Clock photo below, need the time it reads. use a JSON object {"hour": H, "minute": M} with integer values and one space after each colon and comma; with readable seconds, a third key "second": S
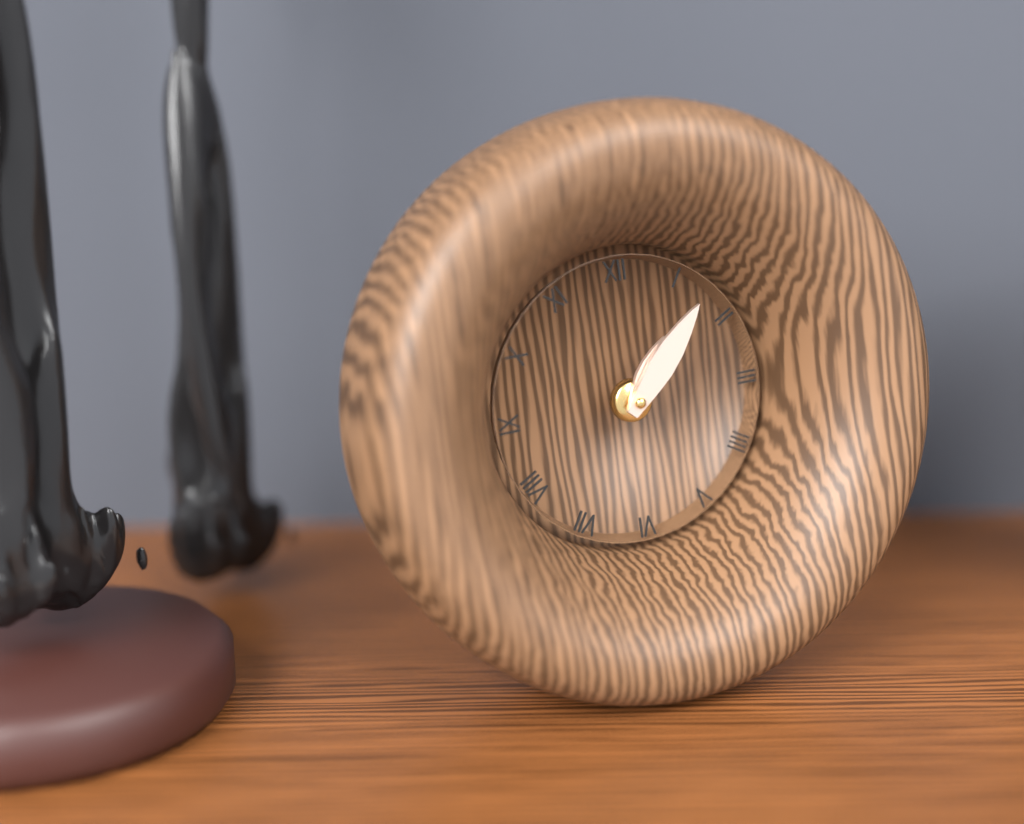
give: {"hour": 1, "minute": 7}
